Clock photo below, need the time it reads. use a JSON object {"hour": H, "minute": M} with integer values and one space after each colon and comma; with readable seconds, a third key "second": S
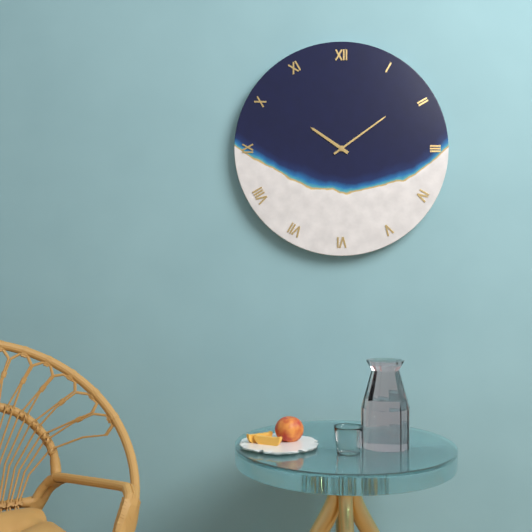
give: {"hour": 10, "minute": 9}
